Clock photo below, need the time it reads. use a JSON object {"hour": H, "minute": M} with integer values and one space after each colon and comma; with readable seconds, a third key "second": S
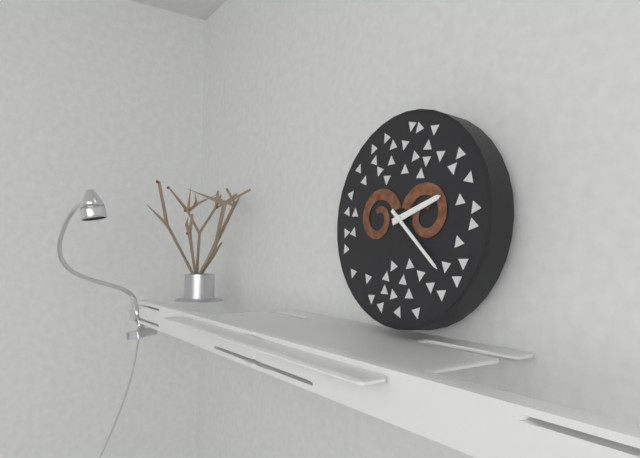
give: {"hour": 2, "minute": 22}
